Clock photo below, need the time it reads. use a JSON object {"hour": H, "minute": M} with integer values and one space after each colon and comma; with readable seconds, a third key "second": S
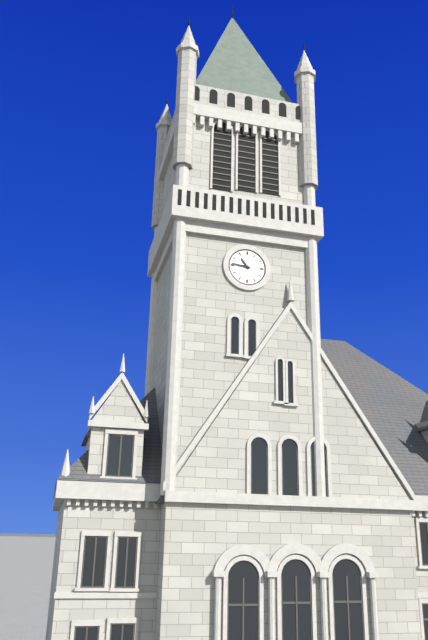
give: {"hour": 10, "minute": 46}
